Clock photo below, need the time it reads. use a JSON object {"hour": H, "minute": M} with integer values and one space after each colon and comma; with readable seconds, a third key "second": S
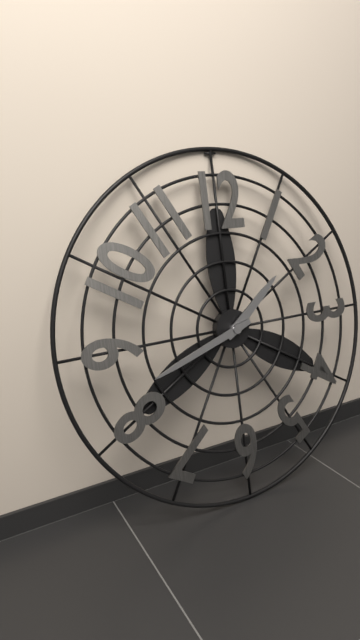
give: {"hour": 1, "minute": 42}
